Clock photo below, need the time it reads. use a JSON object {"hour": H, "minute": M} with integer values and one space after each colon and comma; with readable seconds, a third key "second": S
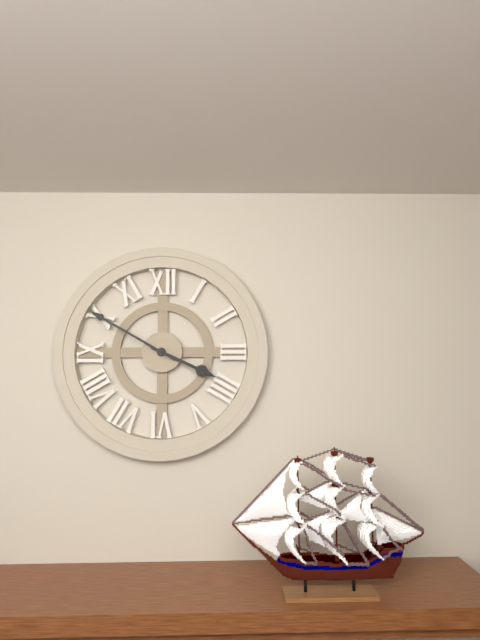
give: {"hour": 3, "minute": 50}
